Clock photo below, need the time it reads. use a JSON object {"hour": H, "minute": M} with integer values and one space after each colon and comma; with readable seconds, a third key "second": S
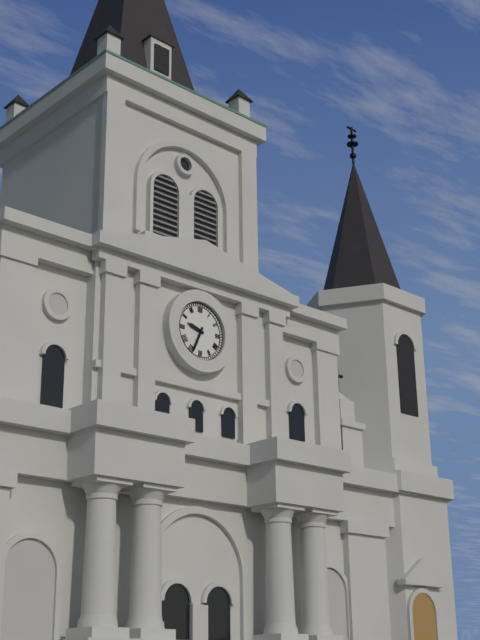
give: {"hour": 9, "minute": 34}
